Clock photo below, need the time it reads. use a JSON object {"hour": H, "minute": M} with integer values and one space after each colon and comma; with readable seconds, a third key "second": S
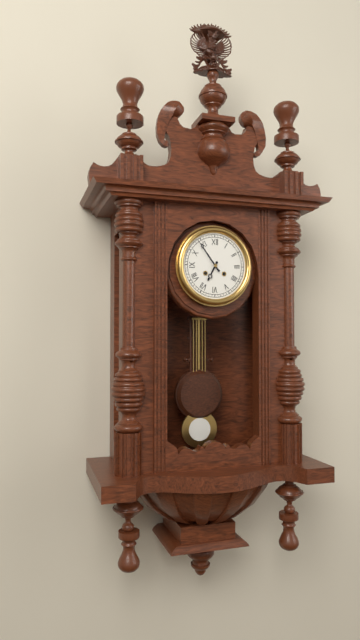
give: {"hour": 6, "minute": 54}
